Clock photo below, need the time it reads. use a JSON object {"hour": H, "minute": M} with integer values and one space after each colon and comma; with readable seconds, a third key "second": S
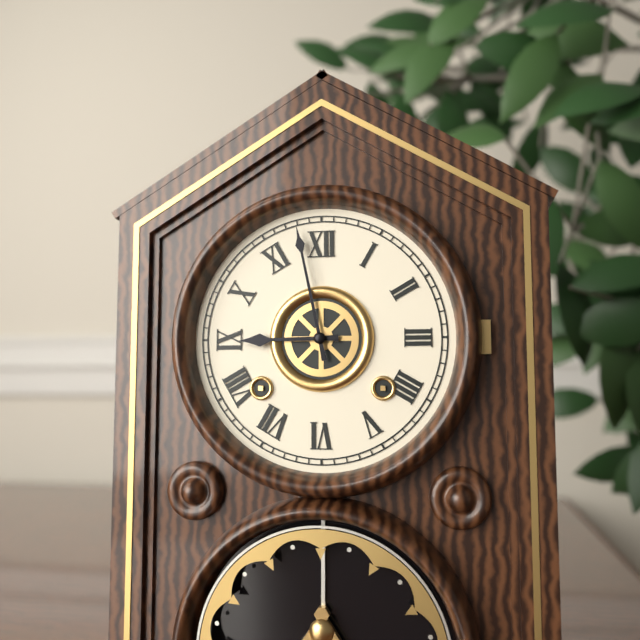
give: {"hour": 8, "minute": 58}
